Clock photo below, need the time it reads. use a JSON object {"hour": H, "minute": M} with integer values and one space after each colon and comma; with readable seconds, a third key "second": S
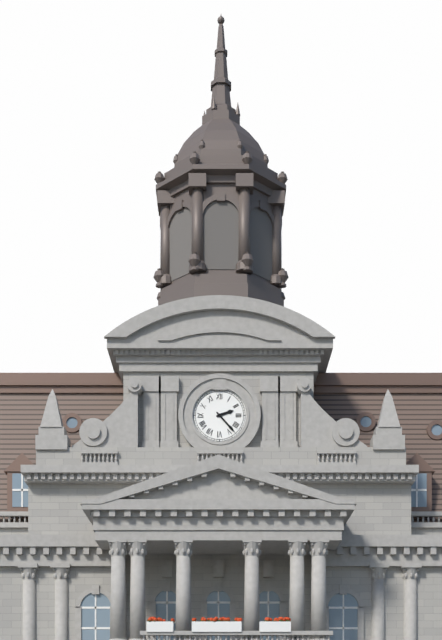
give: {"hour": 2, "minute": 23}
